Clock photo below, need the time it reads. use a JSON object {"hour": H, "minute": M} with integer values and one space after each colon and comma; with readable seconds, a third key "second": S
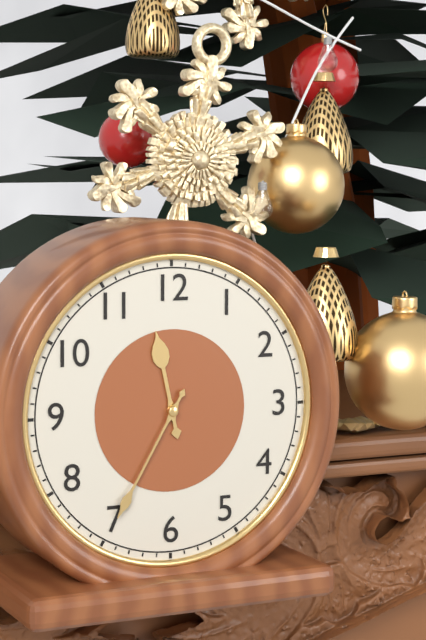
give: {"hour": 11, "minute": 35}
